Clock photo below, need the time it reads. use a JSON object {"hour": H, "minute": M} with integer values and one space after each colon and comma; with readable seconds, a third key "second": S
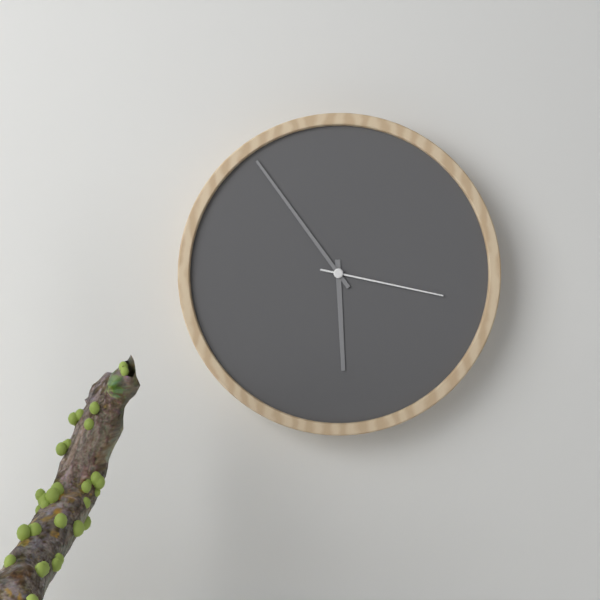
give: {"hour": 5, "minute": 54, "second": 17}
